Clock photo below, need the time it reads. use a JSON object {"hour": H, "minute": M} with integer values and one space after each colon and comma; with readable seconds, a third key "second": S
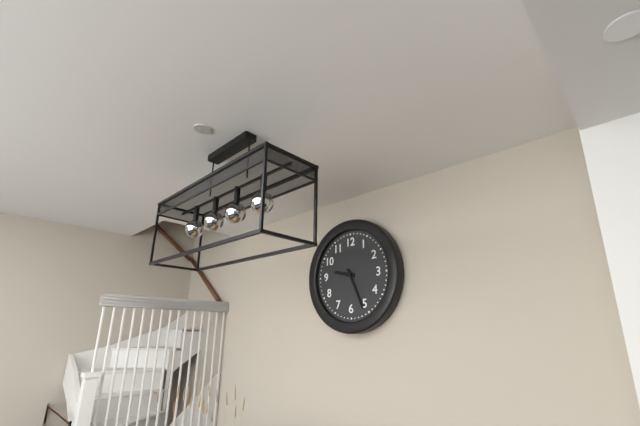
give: {"hour": 9, "minute": 26}
